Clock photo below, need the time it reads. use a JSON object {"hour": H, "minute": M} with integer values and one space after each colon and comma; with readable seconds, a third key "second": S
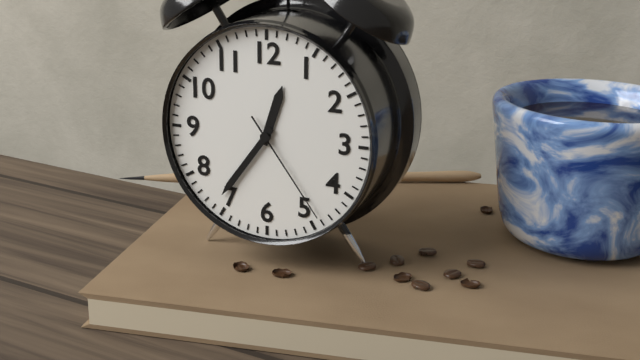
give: {"hour": 12, "minute": 36, "second": 24}
